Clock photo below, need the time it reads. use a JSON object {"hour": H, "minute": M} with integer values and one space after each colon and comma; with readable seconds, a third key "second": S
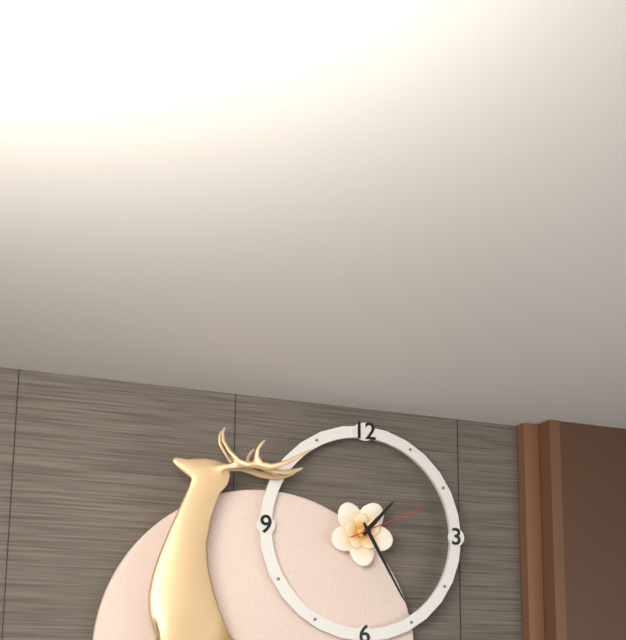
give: {"hour": 1, "minute": 25, "second": 11}
